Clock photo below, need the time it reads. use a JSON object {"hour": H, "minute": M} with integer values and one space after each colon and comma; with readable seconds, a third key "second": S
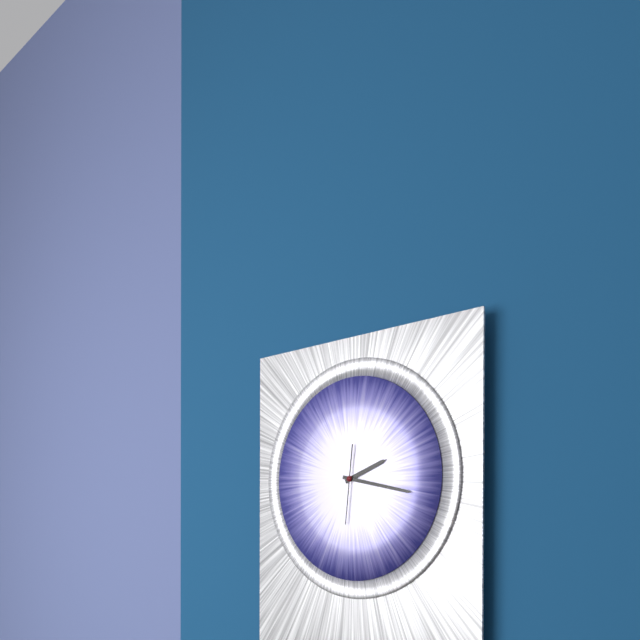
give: {"hour": 2, "minute": 17, "second": 31}
